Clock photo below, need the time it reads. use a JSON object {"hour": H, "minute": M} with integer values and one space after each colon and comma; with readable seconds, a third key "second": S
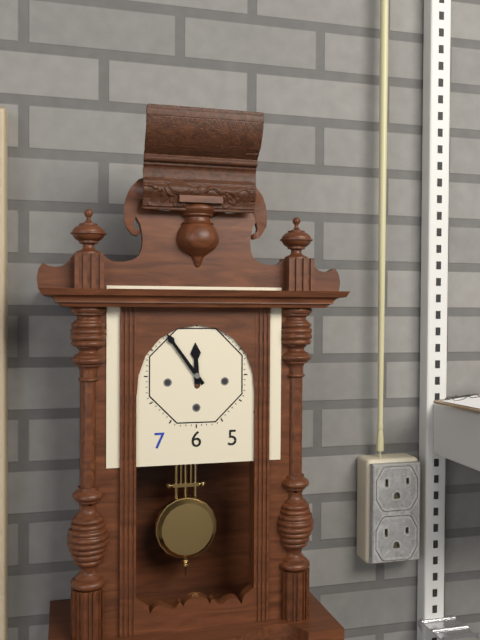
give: {"hour": 11, "minute": 54}
